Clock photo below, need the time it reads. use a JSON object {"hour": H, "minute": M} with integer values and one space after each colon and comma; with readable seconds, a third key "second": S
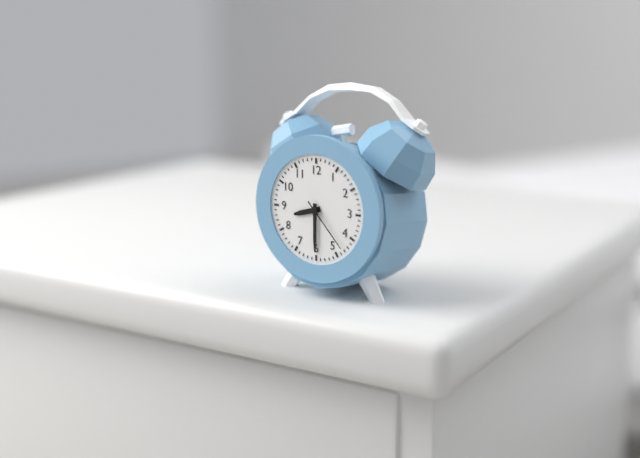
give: {"hour": 8, "minute": 30, "second": 23}
